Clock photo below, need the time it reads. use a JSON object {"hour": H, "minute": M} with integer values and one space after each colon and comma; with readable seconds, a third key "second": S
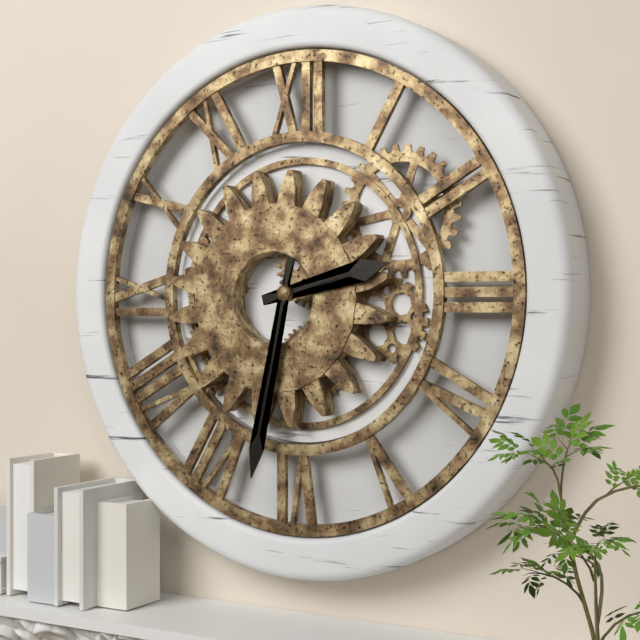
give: {"hour": 2, "minute": 32}
